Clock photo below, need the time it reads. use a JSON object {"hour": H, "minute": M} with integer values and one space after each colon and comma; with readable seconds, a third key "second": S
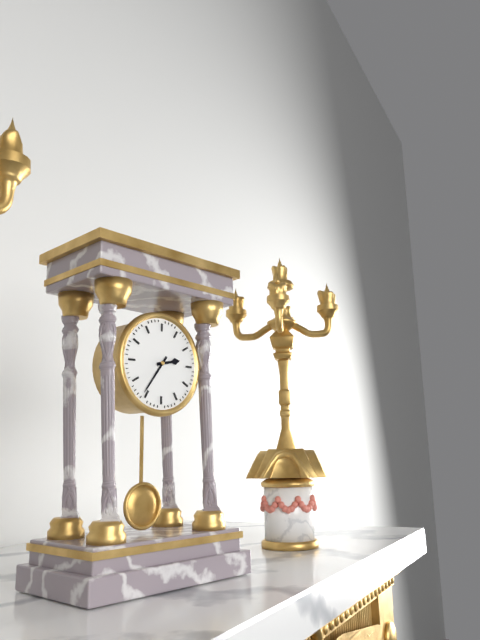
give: {"hour": 2, "minute": 36}
